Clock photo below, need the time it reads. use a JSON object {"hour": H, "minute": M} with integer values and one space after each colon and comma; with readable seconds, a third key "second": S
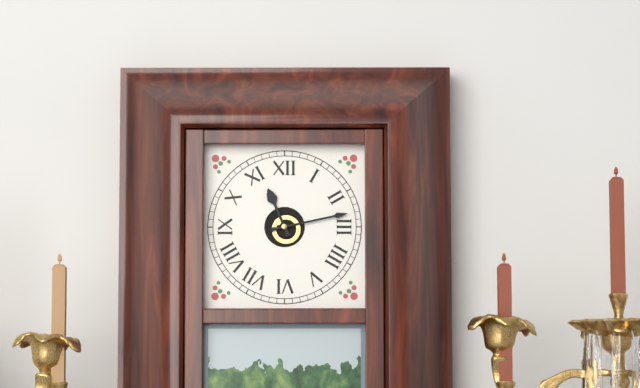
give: {"hour": 11, "minute": 13}
